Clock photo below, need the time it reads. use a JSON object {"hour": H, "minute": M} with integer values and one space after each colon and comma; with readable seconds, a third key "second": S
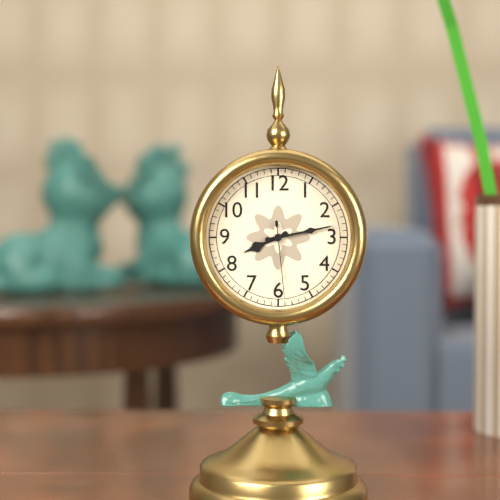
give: {"hour": 8, "minute": 13, "second": 29}
